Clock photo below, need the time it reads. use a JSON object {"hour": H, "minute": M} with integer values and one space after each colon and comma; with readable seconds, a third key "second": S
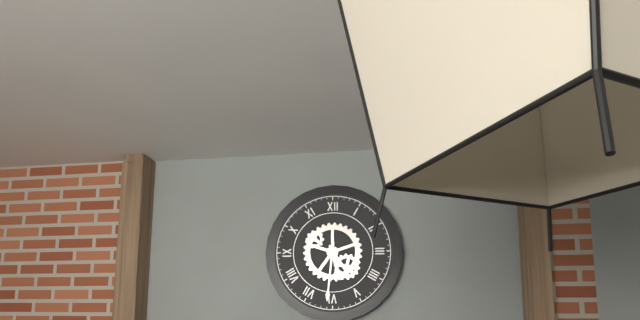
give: {"hour": 5, "minute": 31}
